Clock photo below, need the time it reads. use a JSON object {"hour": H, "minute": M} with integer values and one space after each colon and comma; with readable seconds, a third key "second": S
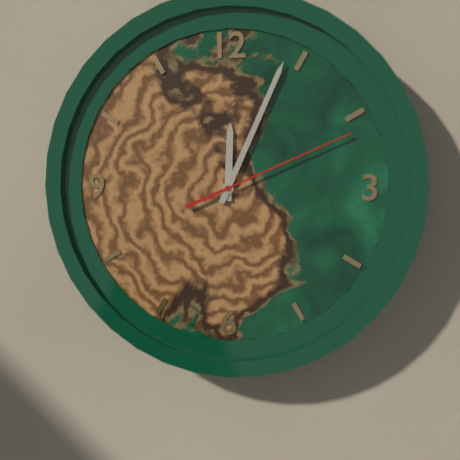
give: {"hour": 12, "minute": 4, "second": 11}
